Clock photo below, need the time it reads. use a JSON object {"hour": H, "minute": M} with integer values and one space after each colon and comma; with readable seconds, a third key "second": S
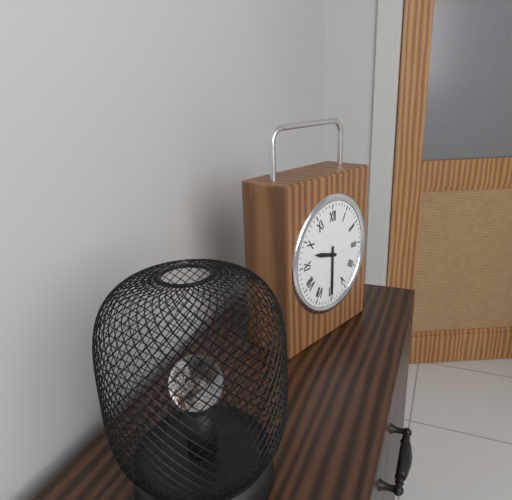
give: {"hour": 9, "minute": 30}
